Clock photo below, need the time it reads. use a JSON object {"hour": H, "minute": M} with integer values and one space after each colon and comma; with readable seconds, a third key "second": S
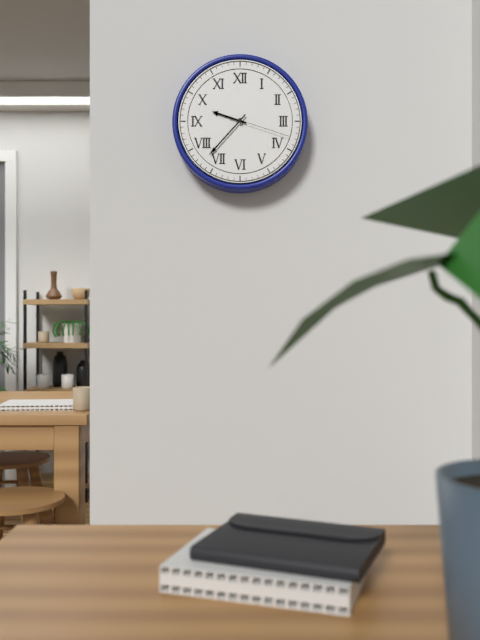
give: {"hour": 9, "minute": 37, "second": 18}
